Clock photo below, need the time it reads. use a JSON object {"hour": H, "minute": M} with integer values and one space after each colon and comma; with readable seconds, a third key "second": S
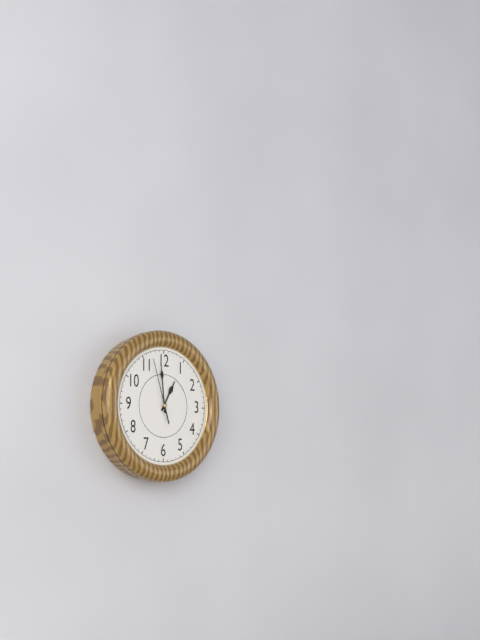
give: {"hour": 12, "minute": 59, "second": 57}
